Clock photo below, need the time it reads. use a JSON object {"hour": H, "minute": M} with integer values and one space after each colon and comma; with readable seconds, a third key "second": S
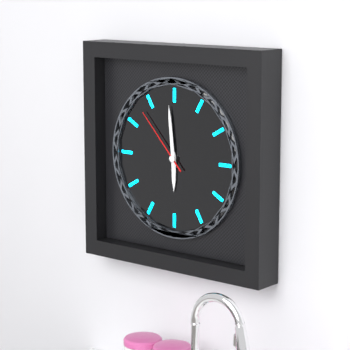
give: {"hour": 5, "minute": 59, "second": 53}
